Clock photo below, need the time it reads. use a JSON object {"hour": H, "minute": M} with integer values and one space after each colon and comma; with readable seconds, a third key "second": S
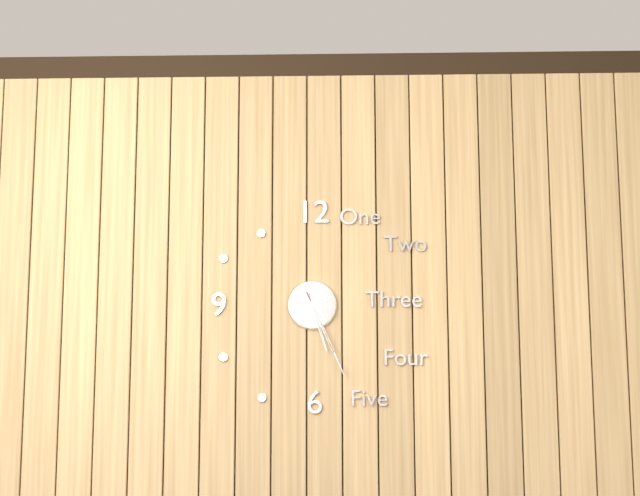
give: {"hour": 5, "minute": 26}
